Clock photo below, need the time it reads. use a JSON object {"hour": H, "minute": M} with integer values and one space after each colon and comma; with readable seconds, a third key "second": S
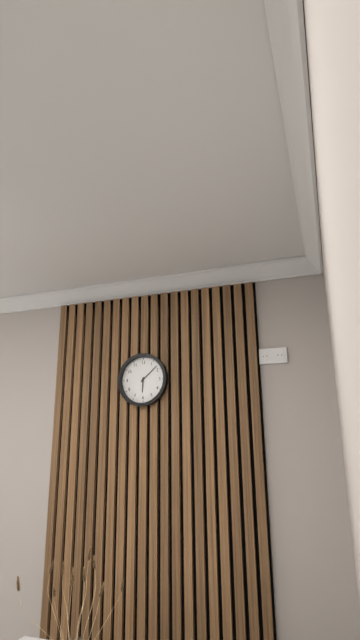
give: {"hour": 6, "minute": 8}
